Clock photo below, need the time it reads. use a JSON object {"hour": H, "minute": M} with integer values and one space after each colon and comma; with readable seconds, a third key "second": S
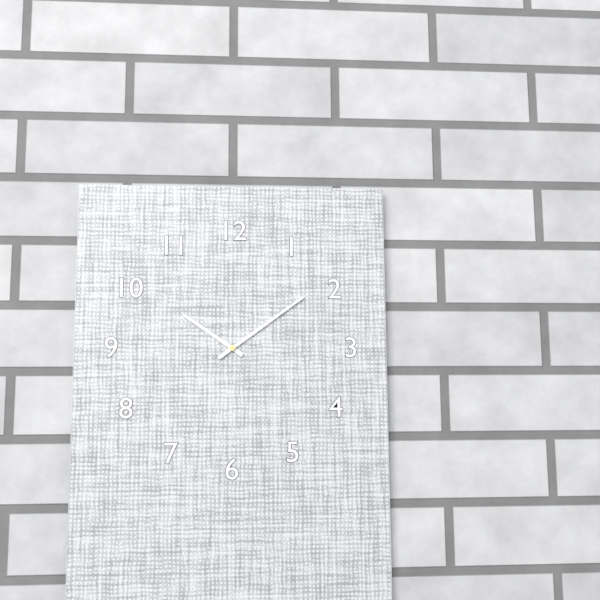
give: {"hour": 10, "minute": 9}
